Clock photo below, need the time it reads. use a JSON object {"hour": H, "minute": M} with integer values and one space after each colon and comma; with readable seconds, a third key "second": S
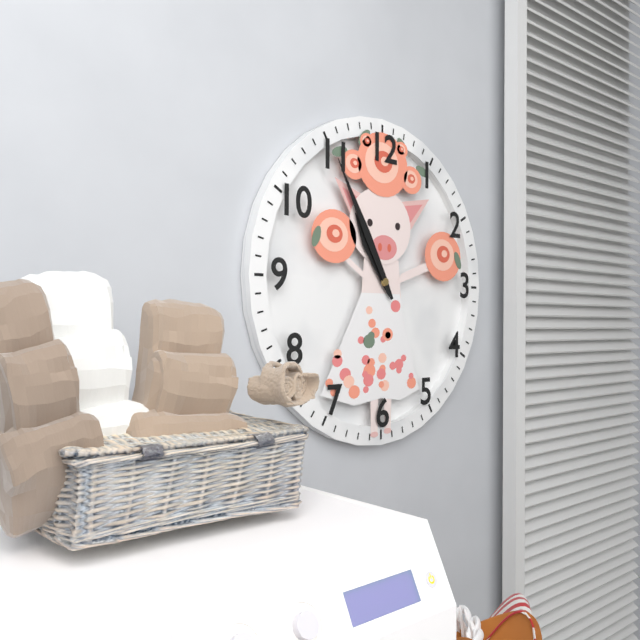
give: {"hour": 10, "minute": 55}
